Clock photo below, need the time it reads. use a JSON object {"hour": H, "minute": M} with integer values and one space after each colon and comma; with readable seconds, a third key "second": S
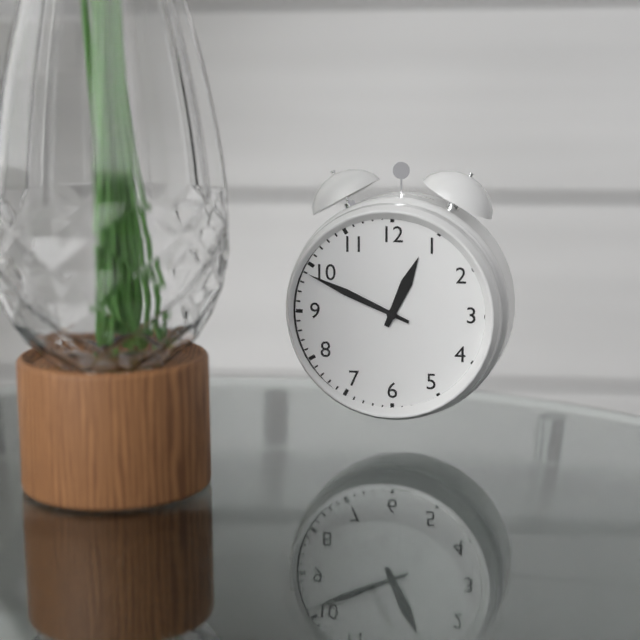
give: {"hour": 12, "minute": 49}
